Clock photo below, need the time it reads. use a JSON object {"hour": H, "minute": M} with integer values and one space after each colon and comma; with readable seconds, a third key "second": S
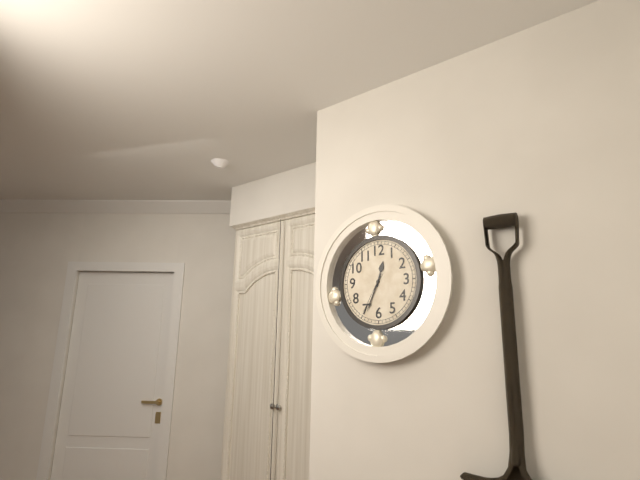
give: {"hour": 12, "minute": 34}
